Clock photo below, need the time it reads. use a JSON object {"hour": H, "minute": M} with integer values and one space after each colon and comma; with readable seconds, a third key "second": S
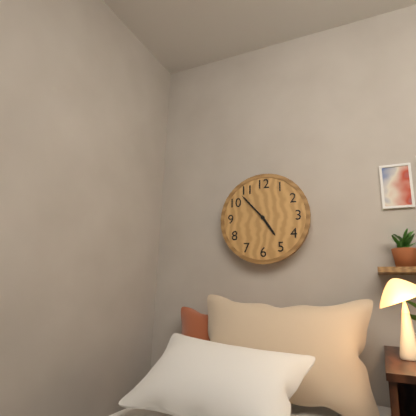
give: {"hour": 4, "minute": 53}
